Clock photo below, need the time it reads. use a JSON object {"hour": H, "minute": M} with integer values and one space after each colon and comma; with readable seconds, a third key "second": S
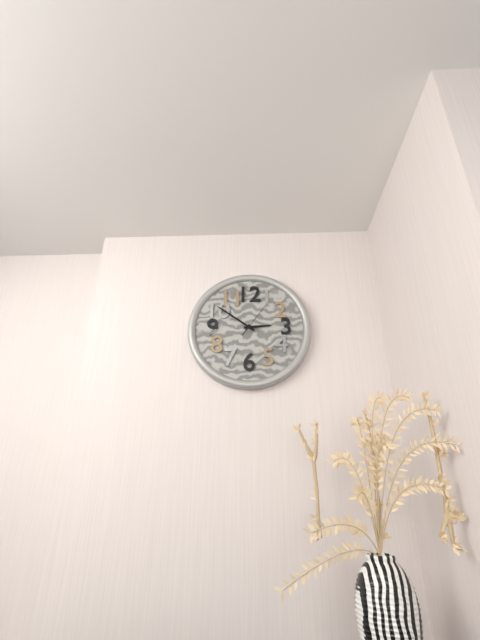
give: {"hour": 2, "minute": 51}
